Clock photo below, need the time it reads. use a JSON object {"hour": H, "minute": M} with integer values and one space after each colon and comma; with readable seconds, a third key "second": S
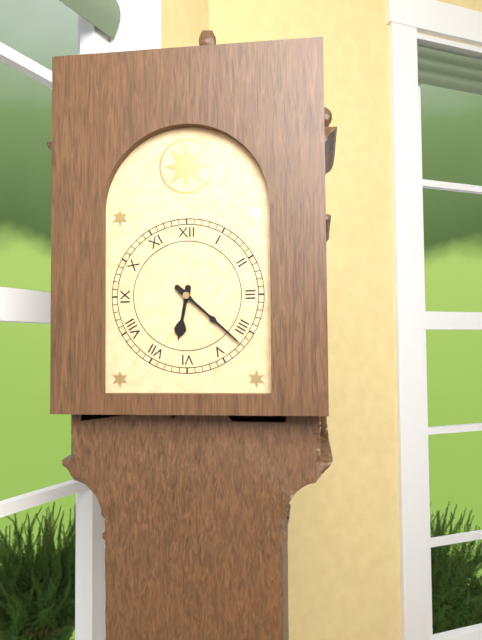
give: {"hour": 6, "minute": 22}
